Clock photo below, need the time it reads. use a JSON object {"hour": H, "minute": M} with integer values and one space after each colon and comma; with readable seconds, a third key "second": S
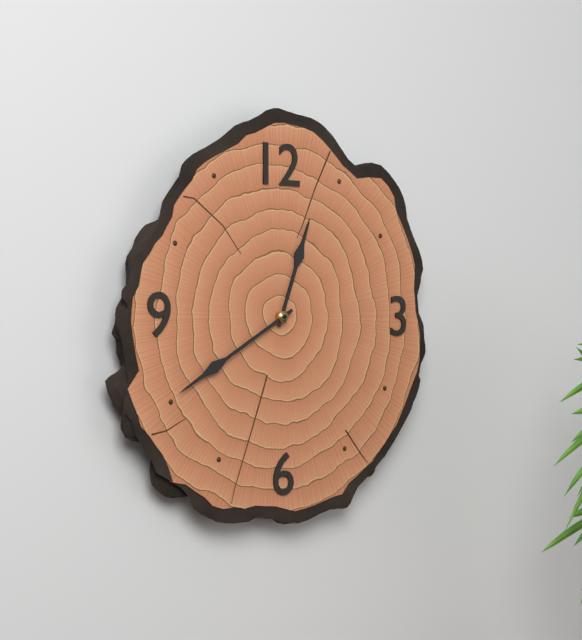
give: {"hour": 12, "minute": 40}
